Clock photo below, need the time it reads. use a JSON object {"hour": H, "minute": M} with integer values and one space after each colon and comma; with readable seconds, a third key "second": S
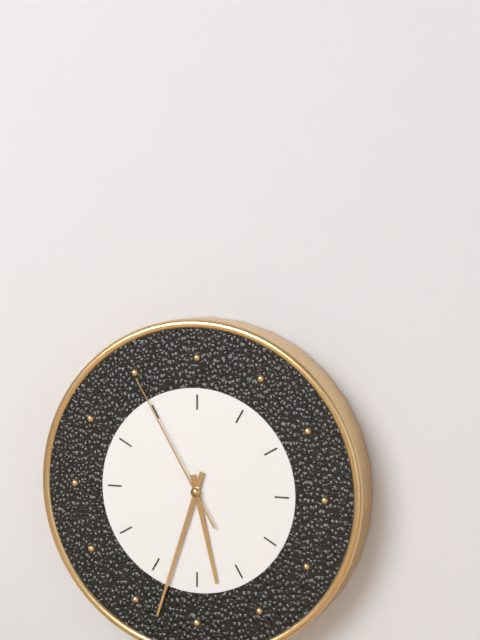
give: {"hour": 5, "minute": 33, "second": 55}
